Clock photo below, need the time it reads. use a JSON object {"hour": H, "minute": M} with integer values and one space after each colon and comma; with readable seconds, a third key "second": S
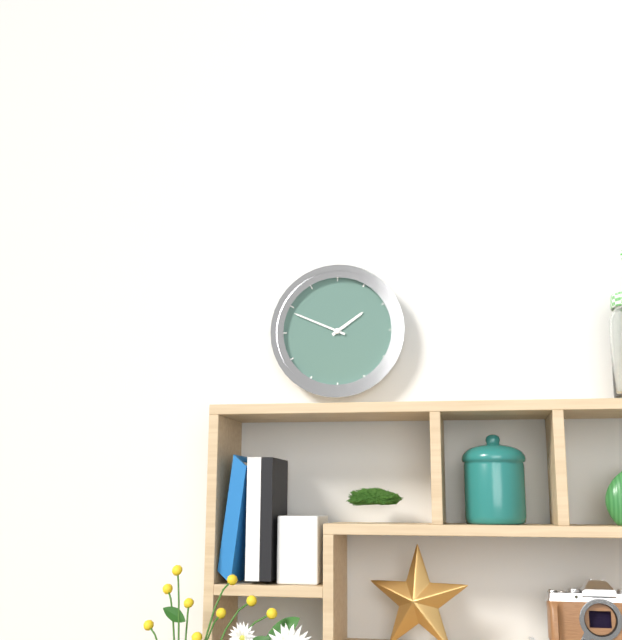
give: {"hour": 1, "minute": 49}
